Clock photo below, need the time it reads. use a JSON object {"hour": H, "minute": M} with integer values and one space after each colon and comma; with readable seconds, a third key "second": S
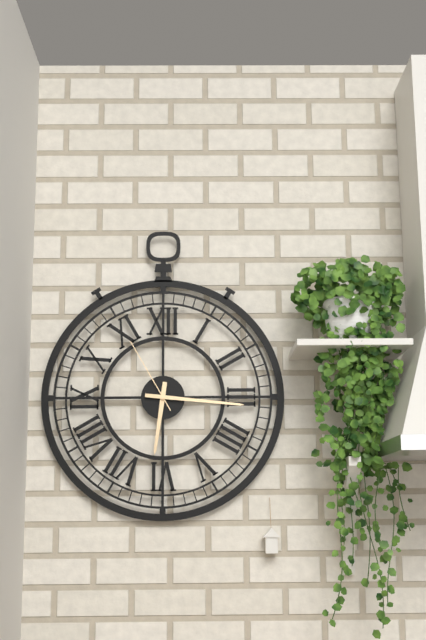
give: {"hour": 6, "minute": 16, "second": 55}
